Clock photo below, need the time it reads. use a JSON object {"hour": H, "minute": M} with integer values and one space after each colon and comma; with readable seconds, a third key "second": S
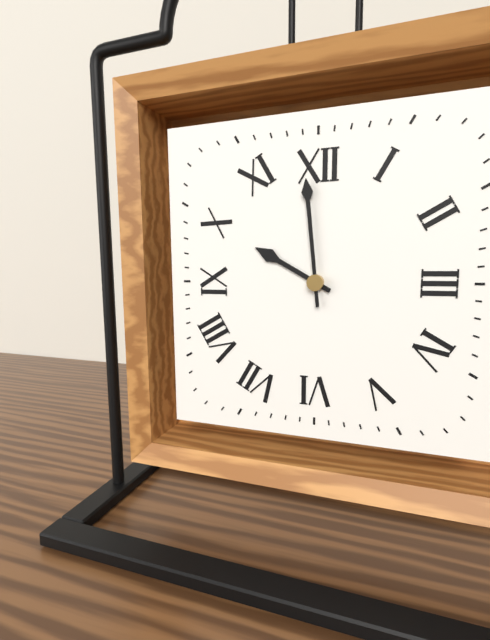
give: {"hour": 9, "minute": 59}
